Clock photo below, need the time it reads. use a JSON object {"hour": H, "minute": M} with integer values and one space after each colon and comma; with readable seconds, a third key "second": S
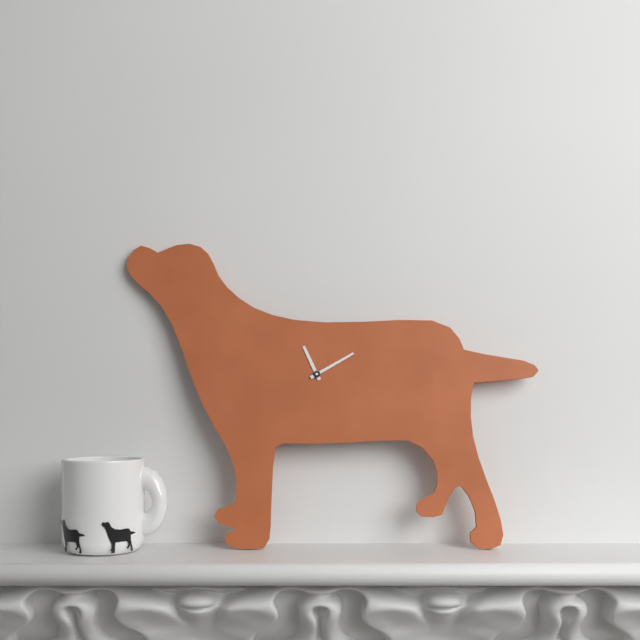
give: {"hour": 11, "minute": 10}
